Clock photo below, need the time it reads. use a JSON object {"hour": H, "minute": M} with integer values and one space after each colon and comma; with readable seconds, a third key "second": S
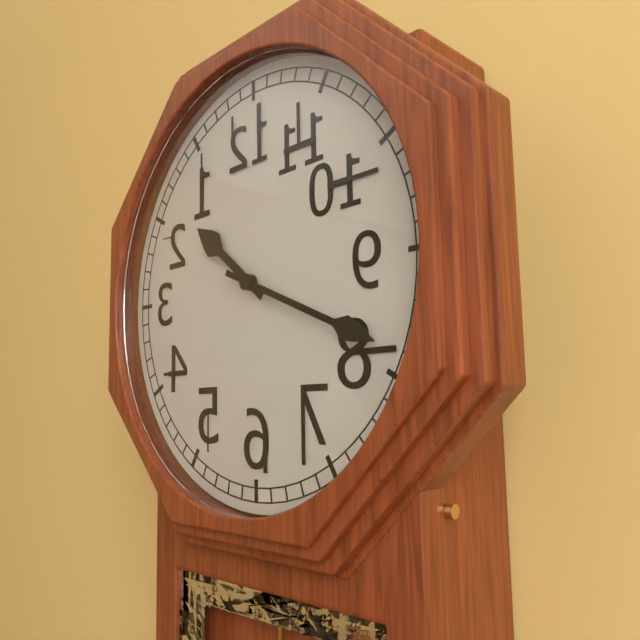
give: {"hour": 10, "minute": 19}
